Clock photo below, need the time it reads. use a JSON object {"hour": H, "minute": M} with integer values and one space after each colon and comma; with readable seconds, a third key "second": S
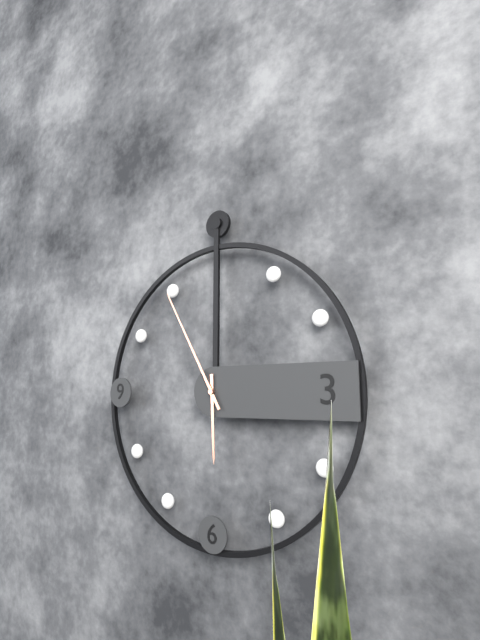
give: {"hour": 5, "minute": 55}
